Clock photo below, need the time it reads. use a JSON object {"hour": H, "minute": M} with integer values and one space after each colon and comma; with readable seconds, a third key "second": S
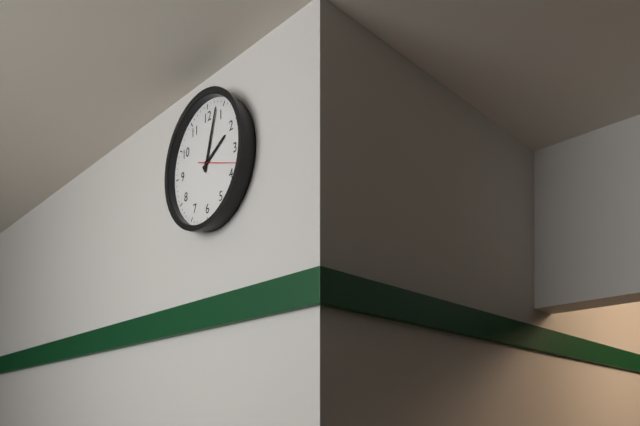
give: {"hour": 2, "minute": 3}
